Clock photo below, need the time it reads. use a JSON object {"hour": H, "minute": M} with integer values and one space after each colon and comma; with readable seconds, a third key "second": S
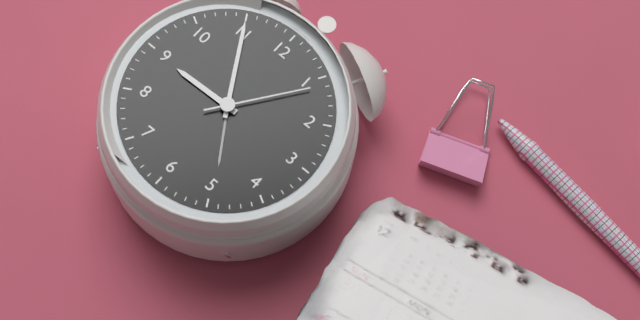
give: {"hour": 8, "minute": 55, "second": 6}
